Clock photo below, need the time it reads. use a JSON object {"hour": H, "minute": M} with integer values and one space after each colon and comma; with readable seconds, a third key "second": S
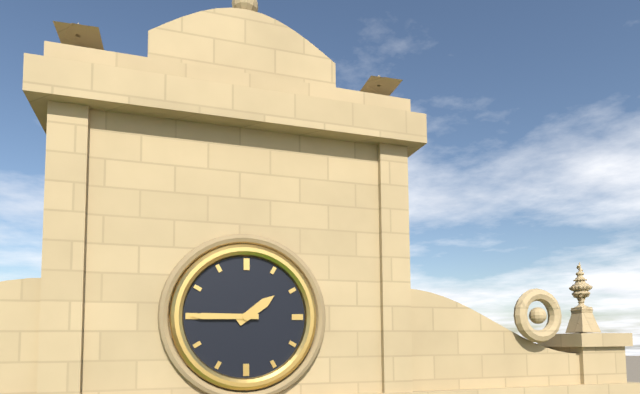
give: {"hour": 1, "minute": 45}
